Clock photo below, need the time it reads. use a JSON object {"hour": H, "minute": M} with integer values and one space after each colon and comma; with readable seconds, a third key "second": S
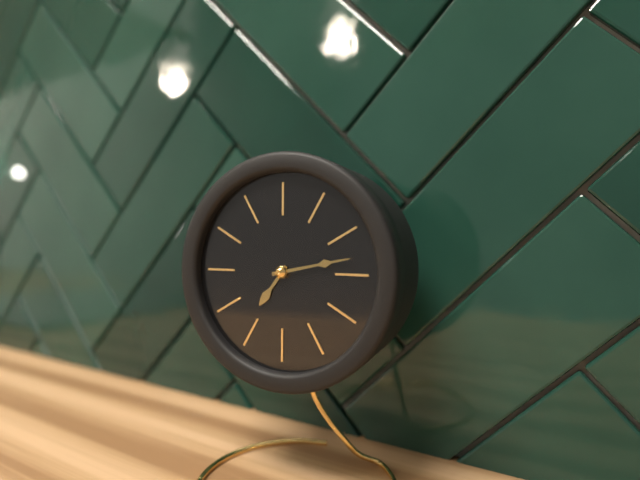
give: {"hour": 7, "minute": 13}
